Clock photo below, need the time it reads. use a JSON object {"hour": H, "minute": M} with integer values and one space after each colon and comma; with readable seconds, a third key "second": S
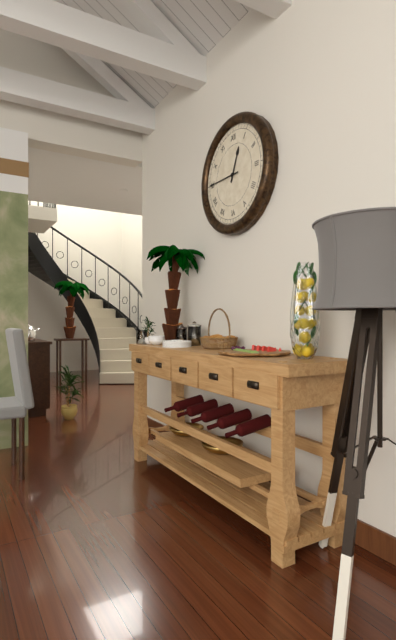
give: {"hour": 12, "minute": 45}
